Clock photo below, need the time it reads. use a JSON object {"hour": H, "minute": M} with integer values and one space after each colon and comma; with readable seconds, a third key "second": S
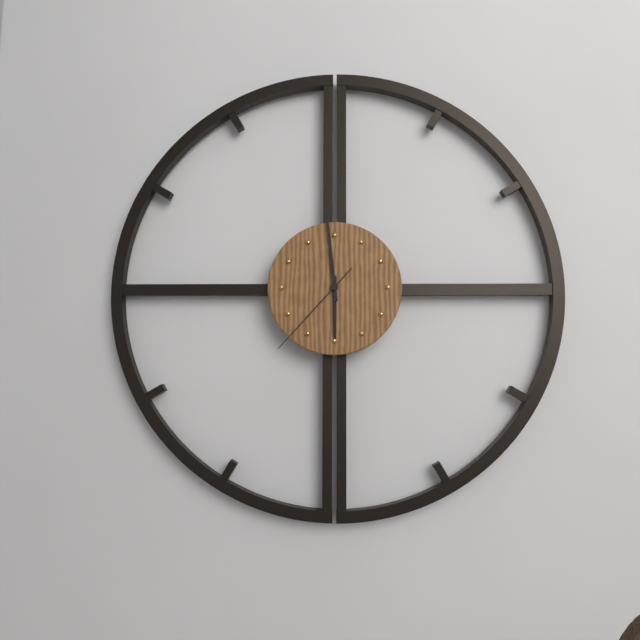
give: {"hour": 5, "minute": 59, "second": 37}
